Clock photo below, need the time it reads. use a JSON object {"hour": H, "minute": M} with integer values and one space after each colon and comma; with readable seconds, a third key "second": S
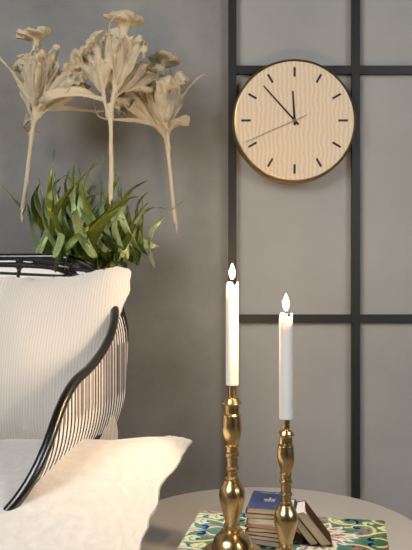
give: {"hour": 11, "minute": 53, "second": 41}
